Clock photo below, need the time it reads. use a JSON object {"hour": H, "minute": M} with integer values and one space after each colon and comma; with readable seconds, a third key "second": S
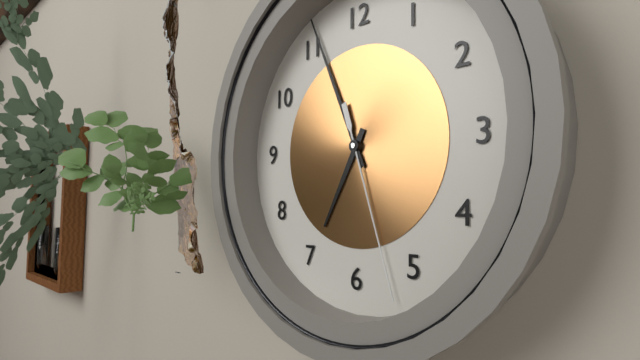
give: {"hour": 6, "minute": 56, "second": 27}
